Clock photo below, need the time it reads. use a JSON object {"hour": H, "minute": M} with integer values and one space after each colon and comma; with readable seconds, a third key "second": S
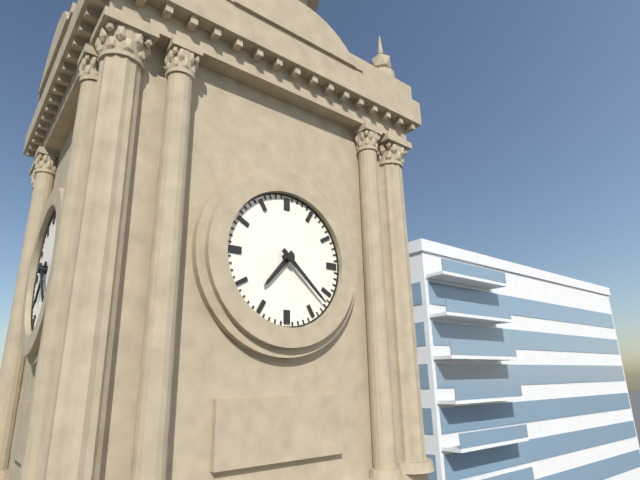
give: {"hour": 7, "minute": 22}
